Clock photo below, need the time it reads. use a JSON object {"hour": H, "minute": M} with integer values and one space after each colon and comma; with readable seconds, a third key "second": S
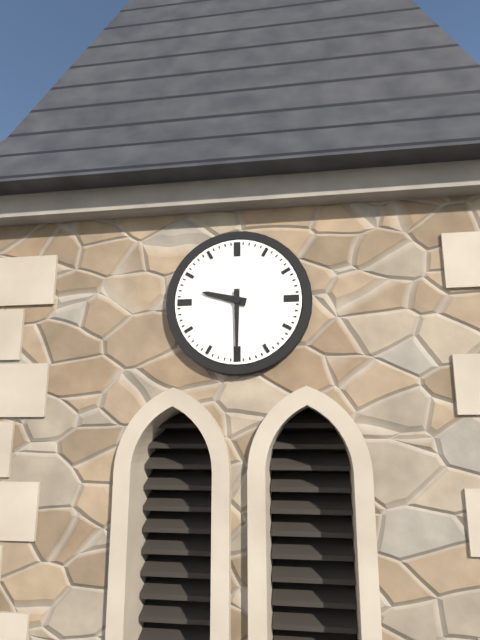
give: {"hour": 9, "minute": 30}
